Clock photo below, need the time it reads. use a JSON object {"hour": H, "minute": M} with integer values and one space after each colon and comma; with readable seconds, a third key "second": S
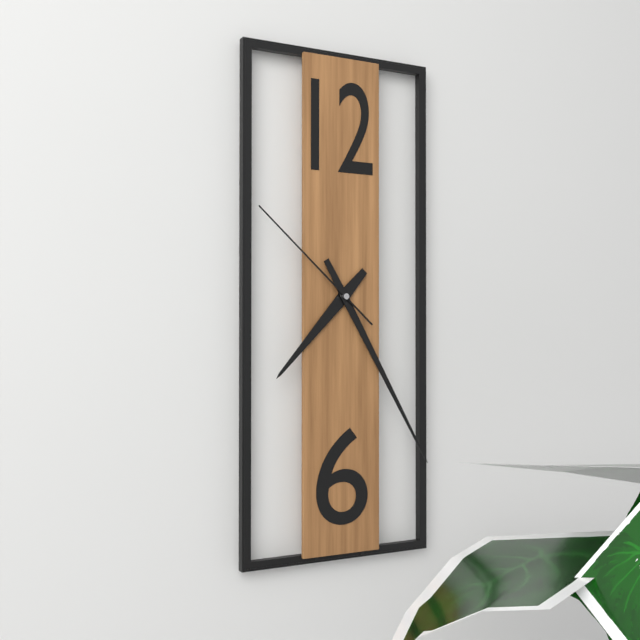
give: {"hour": 7, "minute": 25, "second": 52}
